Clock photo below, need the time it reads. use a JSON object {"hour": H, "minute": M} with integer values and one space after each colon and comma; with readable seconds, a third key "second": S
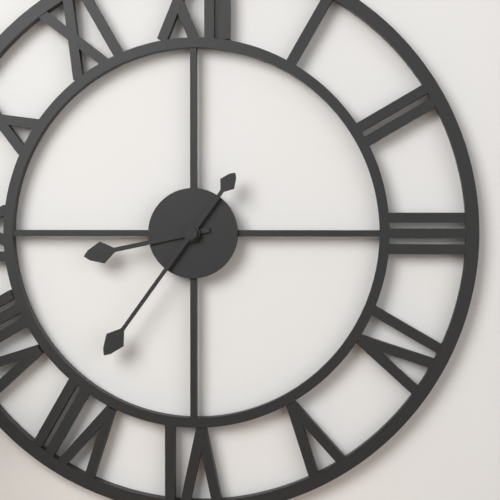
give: {"hour": 8, "minute": 36}
